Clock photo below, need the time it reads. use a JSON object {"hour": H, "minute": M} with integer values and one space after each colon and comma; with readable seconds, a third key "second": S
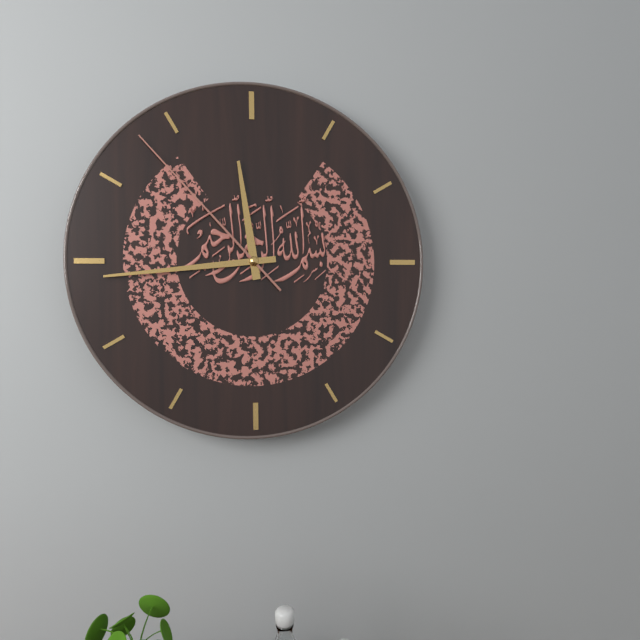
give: {"hour": 11, "minute": 44, "second": 53}
